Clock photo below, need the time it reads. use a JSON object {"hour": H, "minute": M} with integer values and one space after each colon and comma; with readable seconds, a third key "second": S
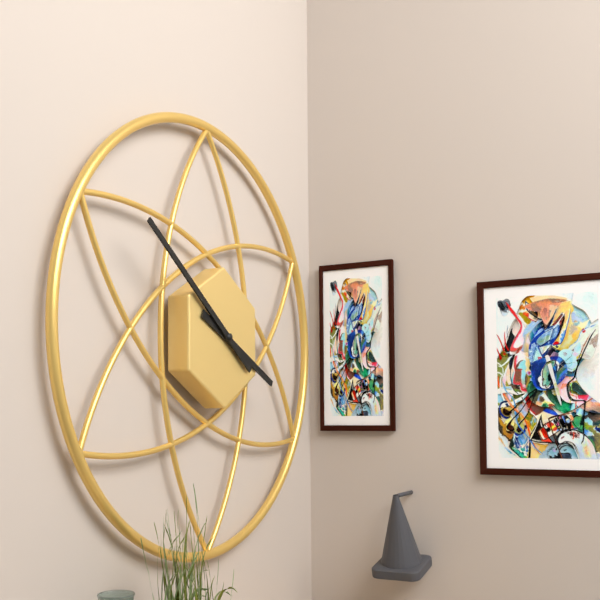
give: {"hour": 3, "minute": 51}
